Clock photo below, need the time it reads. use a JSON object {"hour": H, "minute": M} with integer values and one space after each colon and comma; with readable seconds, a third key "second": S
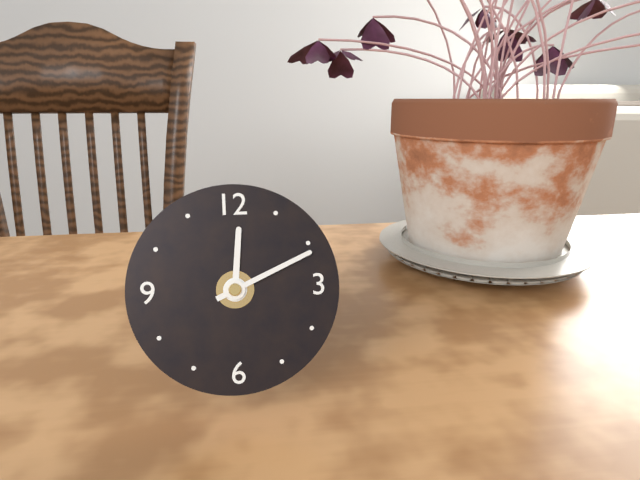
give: {"hour": 12, "minute": 11}
